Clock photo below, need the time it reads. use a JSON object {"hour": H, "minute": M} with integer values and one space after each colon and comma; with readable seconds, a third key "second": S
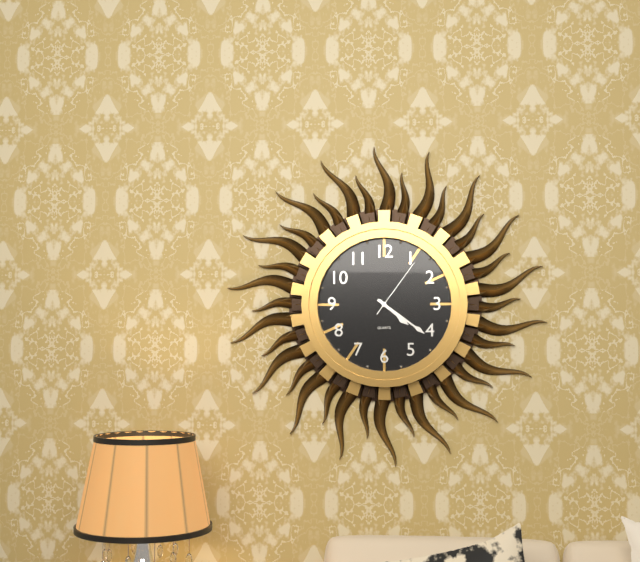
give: {"hour": 4, "minute": 21, "second": 6}
